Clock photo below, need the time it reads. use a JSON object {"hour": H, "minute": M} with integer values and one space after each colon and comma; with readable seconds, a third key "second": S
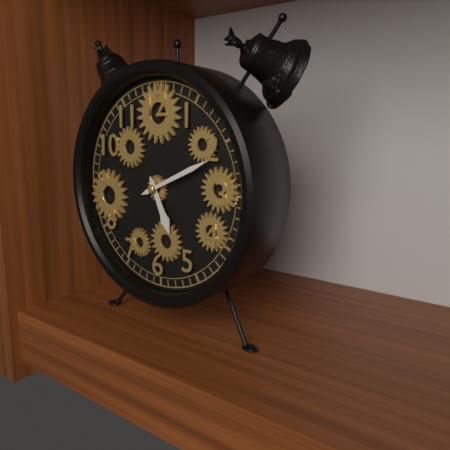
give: {"hour": 5, "minute": 11}
